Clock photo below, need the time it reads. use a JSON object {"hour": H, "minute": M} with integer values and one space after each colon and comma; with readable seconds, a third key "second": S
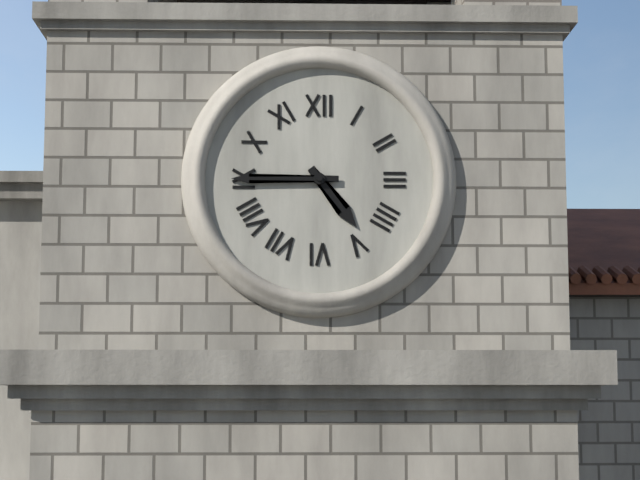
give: {"hour": 4, "minute": 45}
